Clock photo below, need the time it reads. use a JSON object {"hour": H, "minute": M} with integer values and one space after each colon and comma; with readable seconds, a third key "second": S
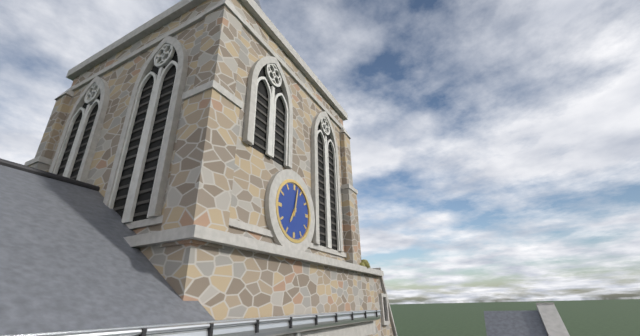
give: {"hour": 7, "minute": 2}
